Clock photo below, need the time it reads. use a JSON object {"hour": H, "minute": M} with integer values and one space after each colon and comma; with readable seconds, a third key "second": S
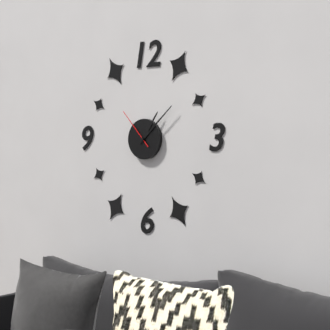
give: {"hour": 1, "minute": 8}
